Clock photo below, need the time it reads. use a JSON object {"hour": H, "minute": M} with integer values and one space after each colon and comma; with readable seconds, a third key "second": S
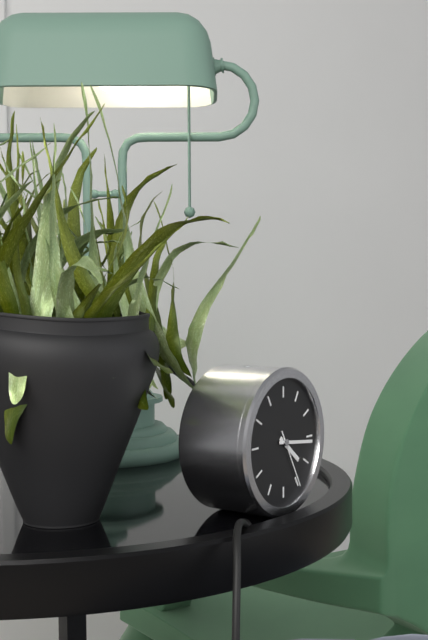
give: {"hour": 4, "minute": 16, "second": 25}
